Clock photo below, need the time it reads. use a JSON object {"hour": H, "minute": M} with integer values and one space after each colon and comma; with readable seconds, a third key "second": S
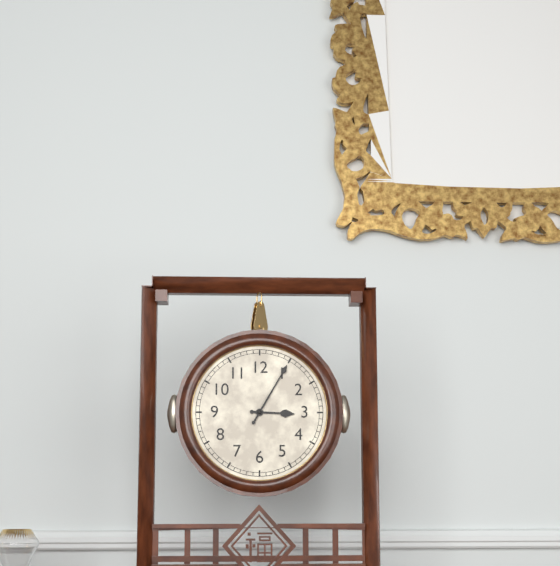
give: {"hour": 3, "minute": 5}
